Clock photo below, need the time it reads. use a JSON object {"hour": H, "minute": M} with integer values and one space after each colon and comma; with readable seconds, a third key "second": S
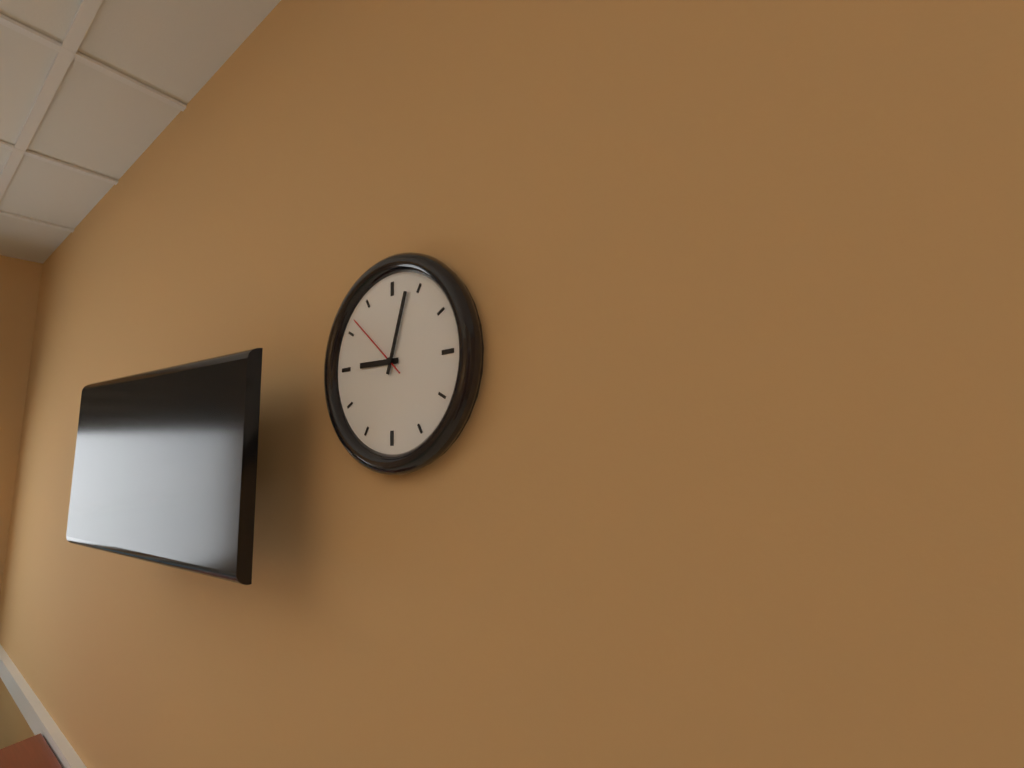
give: {"hour": 9, "minute": 3, "second": 52}
